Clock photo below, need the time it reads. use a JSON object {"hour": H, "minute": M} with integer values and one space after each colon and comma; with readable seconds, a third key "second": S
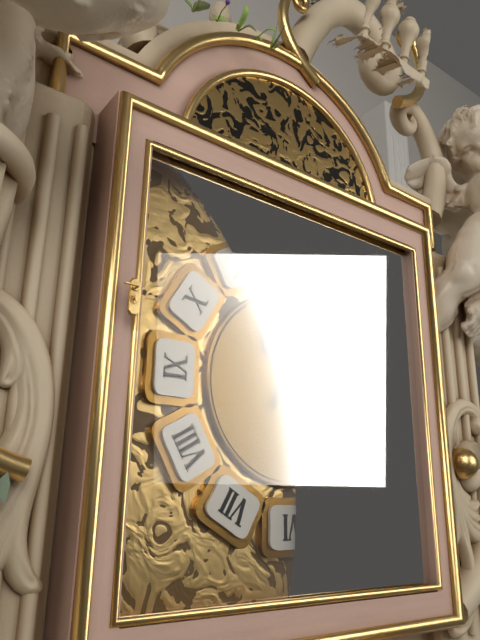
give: {"hour": 11, "minute": 5}
